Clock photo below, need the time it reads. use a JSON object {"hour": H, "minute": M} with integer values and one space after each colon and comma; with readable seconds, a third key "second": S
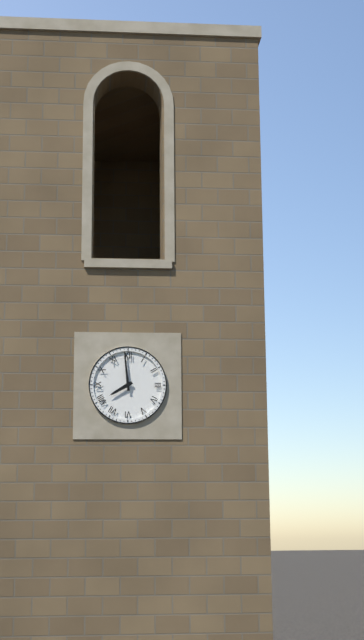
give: {"hour": 7, "minute": 59}
